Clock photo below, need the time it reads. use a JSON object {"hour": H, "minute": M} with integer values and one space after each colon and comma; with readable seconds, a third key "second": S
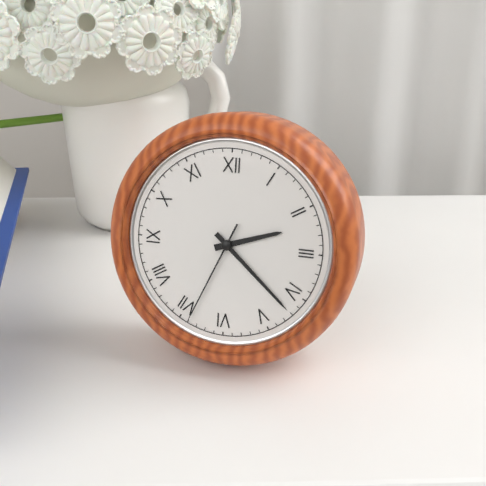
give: {"hour": 2, "minute": 22, "second": 34}
